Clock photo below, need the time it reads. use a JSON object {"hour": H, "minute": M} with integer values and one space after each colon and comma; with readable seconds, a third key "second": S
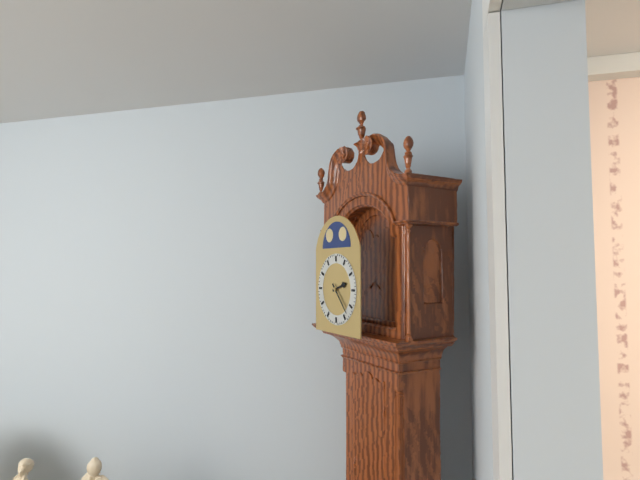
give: {"hour": 2, "minute": 23}
